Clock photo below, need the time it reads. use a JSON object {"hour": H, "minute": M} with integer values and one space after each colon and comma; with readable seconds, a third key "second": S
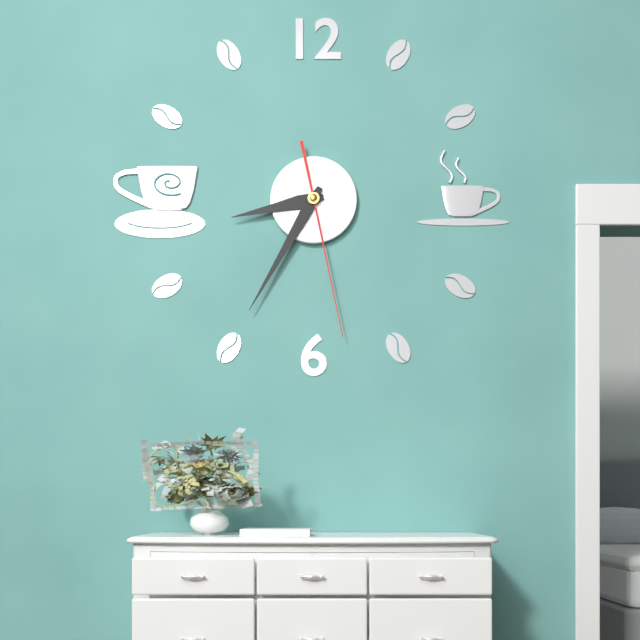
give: {"hour": 8, "minute": 35, "second": 28}
